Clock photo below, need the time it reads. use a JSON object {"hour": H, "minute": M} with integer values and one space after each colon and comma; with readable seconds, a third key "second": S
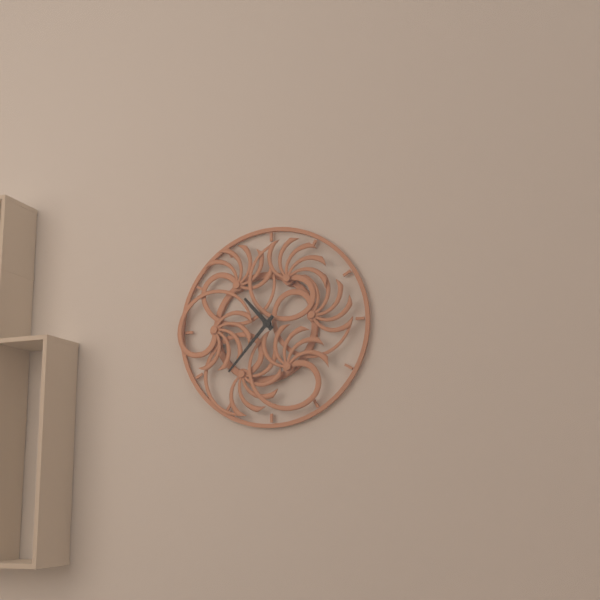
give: {"hour": 10, "minute": 37}
